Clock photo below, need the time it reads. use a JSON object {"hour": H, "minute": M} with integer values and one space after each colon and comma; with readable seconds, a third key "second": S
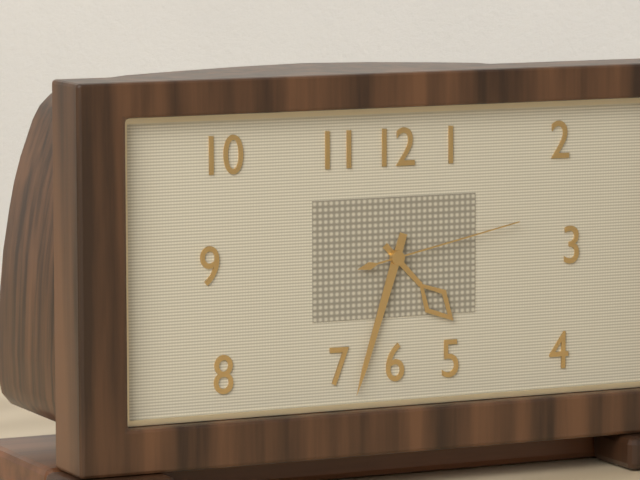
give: {"hour": 4, "minute": 33, "second": 13}
